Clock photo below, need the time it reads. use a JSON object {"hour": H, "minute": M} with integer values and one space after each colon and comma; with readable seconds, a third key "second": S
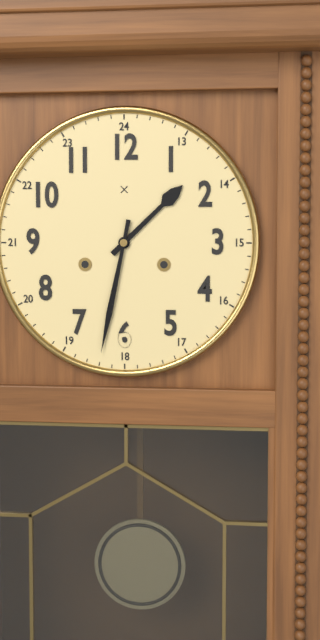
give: {"hour": 1, "minute": 32}
